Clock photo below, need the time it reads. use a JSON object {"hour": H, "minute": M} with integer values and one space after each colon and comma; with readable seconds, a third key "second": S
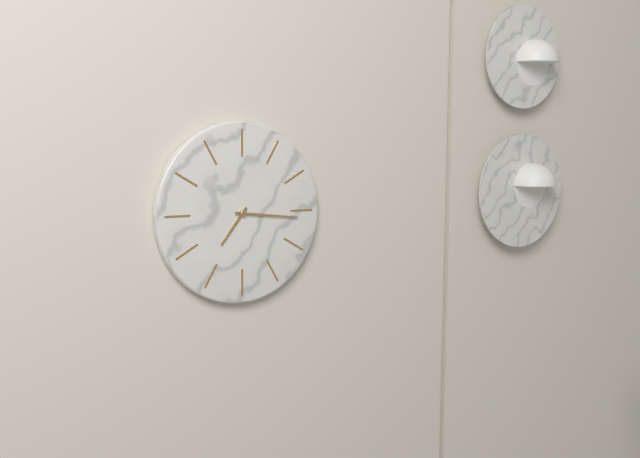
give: {"hour": 7, "minute": 16}
